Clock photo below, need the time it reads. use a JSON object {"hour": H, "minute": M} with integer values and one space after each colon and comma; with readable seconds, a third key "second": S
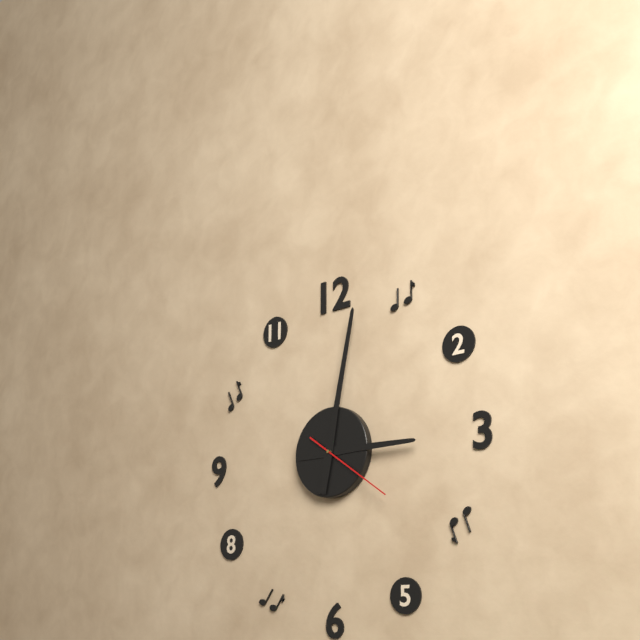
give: {"hour": 3, "minute": 2, "second": 21}
